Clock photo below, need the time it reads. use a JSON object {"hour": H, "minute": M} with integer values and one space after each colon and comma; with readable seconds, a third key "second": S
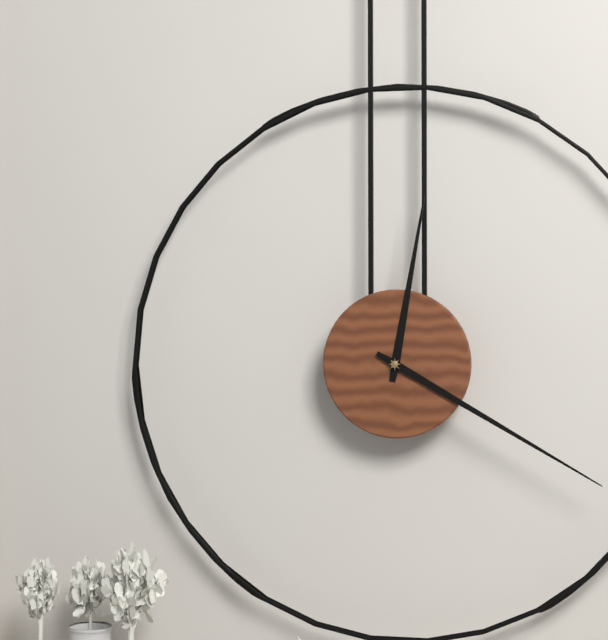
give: {"hour": 12, "minute": 20}
